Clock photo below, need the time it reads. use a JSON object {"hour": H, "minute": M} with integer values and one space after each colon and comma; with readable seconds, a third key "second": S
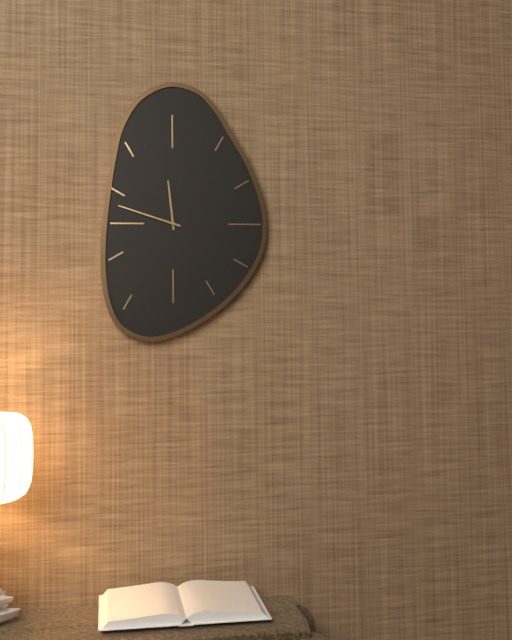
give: {"hour": 11, "minute": 48}
